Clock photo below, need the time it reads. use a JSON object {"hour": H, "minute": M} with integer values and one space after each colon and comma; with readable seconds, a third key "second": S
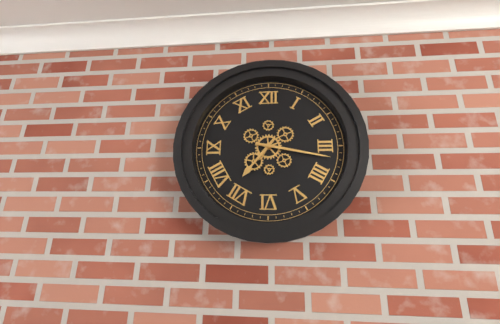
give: {"hour": 7, "minute": 17}
